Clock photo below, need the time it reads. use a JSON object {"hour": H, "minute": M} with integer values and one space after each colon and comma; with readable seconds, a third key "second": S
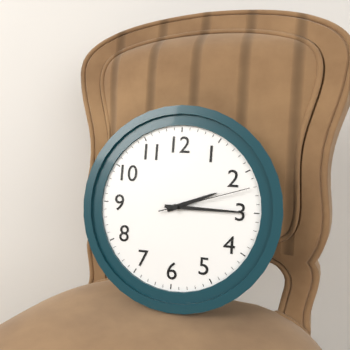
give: {"hour": 2, "minute": 15, "second": 12}
